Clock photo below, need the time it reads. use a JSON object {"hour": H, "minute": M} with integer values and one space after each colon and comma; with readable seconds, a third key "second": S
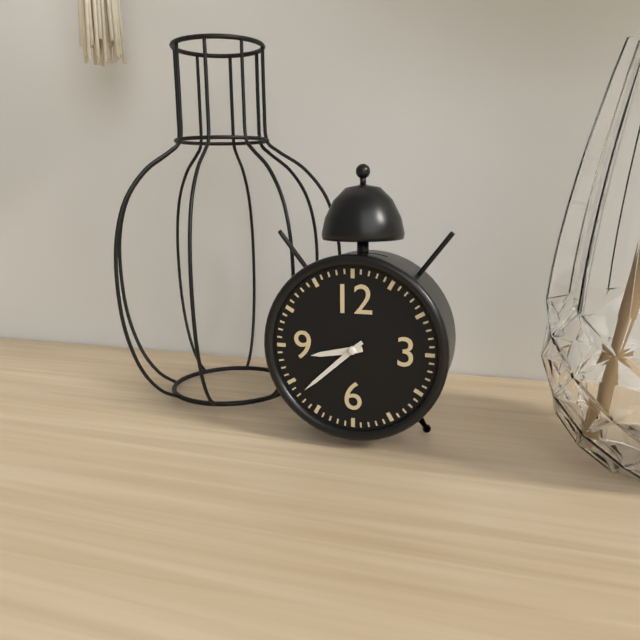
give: {"hour": 8, "minute": 38}
